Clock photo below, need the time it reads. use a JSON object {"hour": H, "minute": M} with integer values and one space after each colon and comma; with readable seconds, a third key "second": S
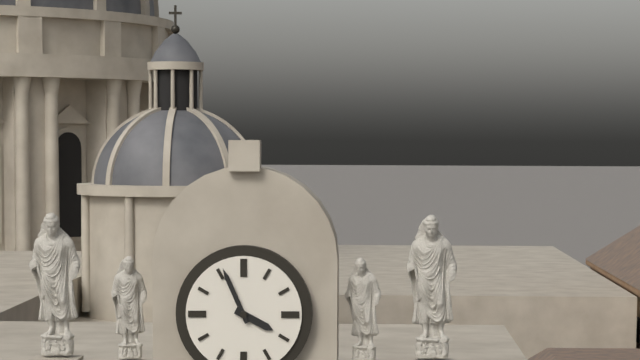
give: {"hour": 3, "minute": 56}
